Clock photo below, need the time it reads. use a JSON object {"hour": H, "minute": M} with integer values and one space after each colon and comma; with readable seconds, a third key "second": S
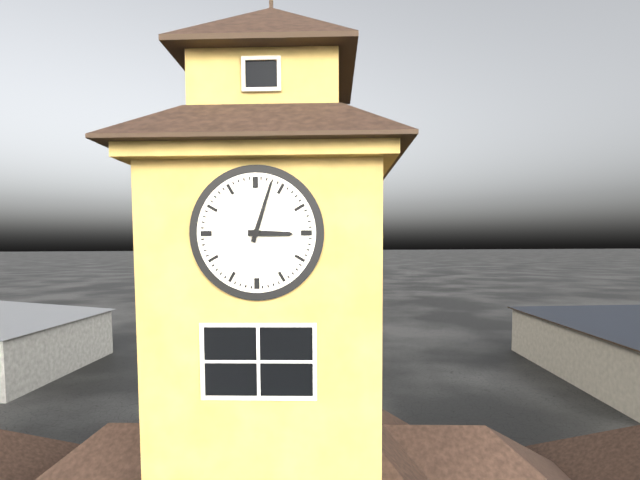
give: {"hour": 3, "minute": 3}
